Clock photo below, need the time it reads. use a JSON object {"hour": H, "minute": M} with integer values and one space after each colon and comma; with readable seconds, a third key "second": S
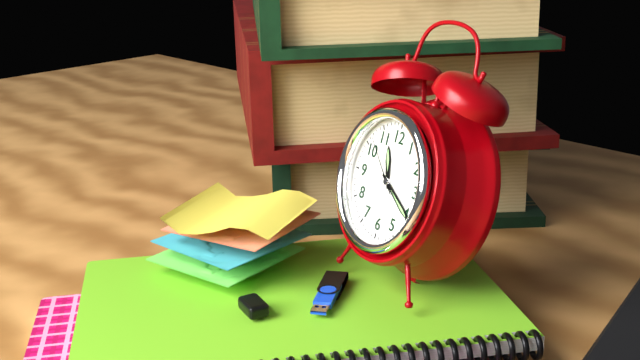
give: {"hour": 11, "minute": 20, "second": 52}
